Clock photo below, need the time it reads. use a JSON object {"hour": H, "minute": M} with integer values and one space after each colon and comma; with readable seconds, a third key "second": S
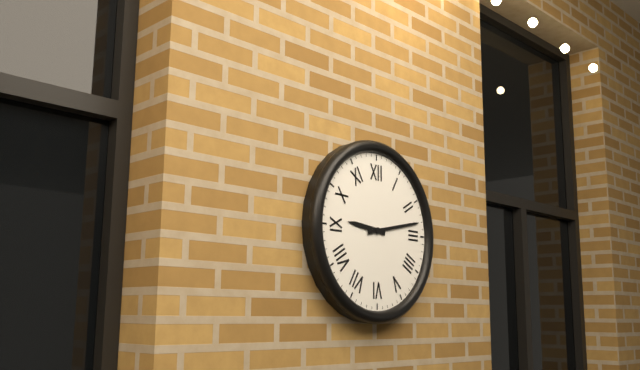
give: {"hour": 9, "minute": 13}
